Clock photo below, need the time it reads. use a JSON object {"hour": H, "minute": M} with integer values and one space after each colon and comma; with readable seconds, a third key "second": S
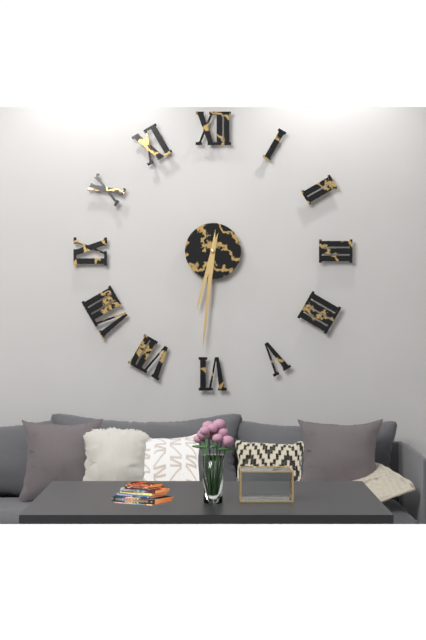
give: {"hour": 6, "minute": 31}
